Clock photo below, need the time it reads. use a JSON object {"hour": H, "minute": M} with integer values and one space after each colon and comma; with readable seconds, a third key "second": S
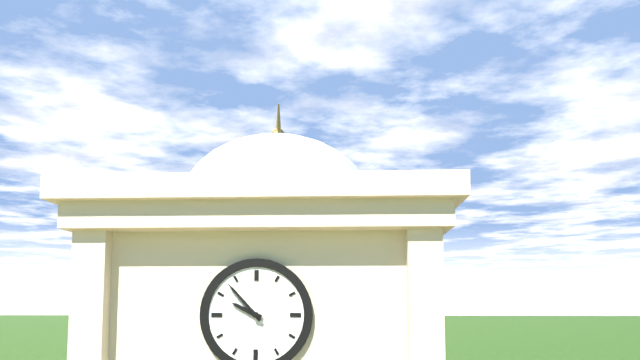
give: {"hour": 9, "minute": 53}
